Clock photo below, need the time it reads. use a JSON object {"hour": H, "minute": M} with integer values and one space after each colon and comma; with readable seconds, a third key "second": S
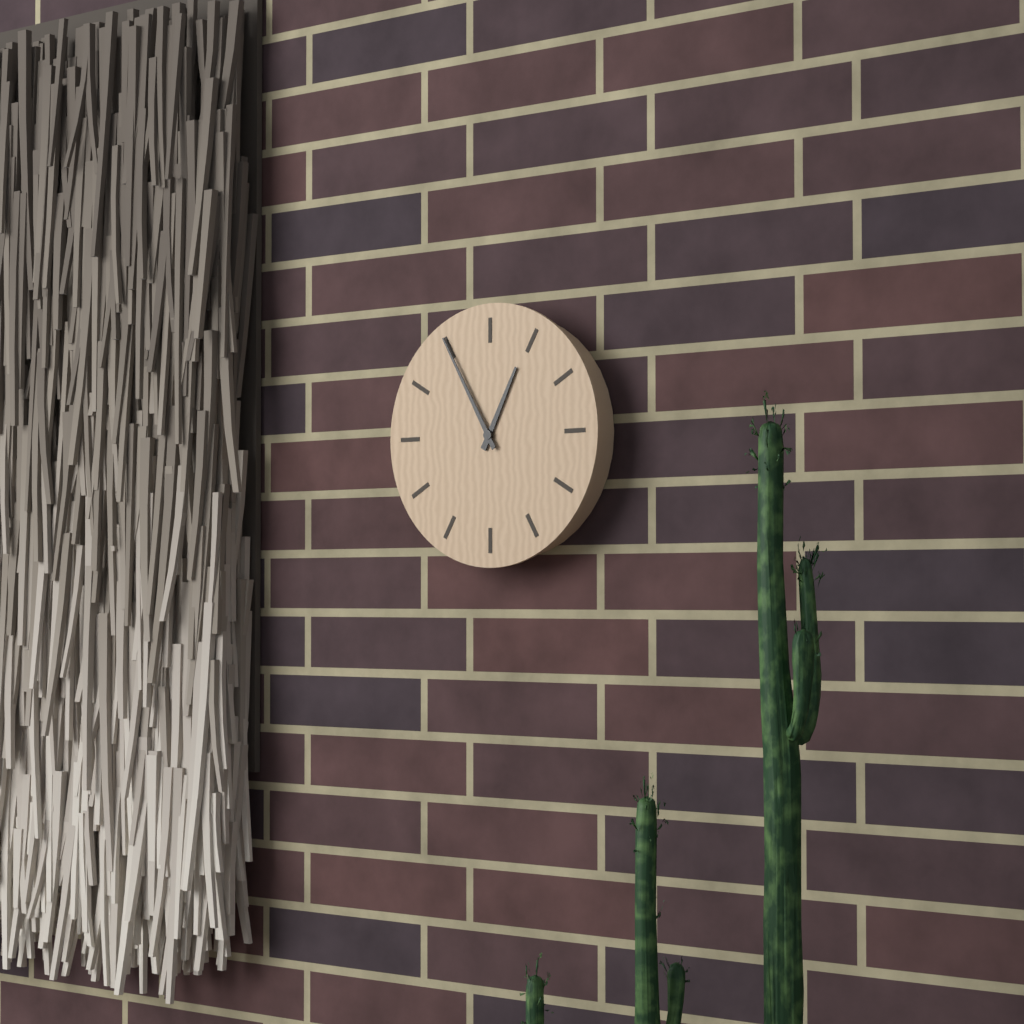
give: {"hour": 12, "minute": 55}
